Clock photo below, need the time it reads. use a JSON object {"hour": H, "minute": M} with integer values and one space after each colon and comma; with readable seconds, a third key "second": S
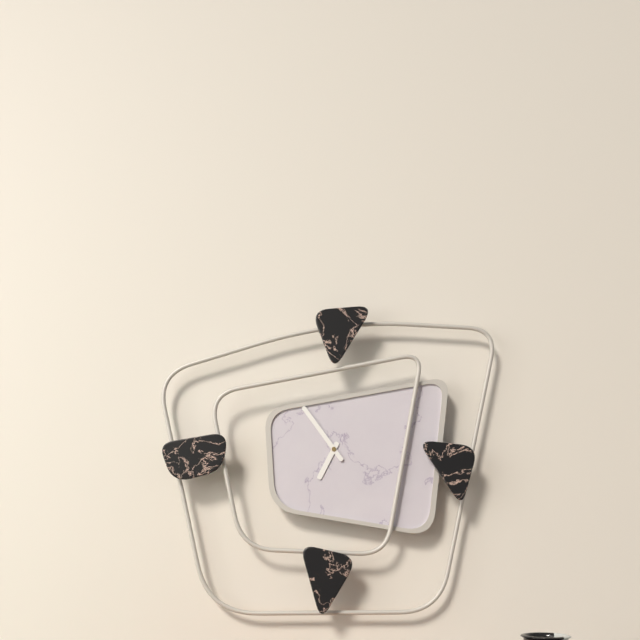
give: {"hour": 6, "minute": 54}
